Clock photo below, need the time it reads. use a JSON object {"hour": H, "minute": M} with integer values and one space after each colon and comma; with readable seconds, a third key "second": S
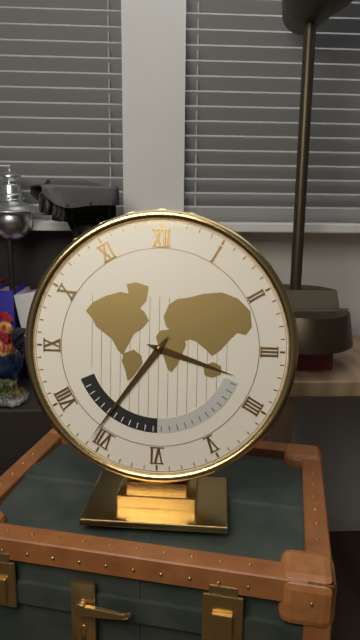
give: {"hour": 3, "minute": 36}
